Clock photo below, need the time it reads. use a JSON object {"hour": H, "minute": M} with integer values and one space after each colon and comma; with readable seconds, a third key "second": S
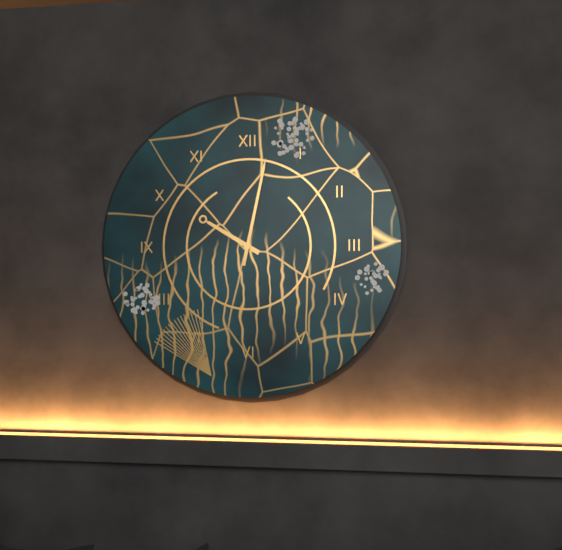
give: {"hour": 10, "minute": 2}
